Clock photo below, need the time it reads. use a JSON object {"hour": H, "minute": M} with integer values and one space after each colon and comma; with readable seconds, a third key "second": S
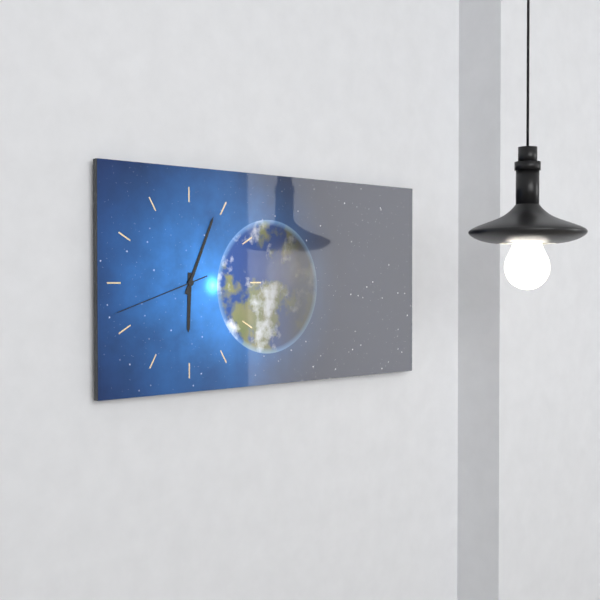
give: {"hour": 6, "minute": 4, "second": 42}
